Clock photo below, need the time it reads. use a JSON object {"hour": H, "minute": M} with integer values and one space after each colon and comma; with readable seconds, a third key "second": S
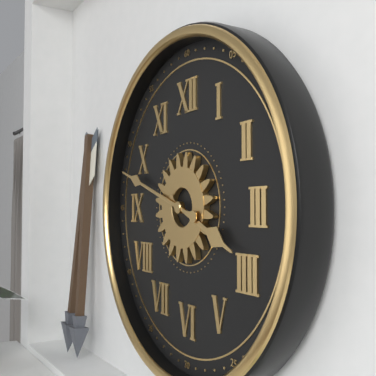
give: {"hour": 3, "minute": 48}
